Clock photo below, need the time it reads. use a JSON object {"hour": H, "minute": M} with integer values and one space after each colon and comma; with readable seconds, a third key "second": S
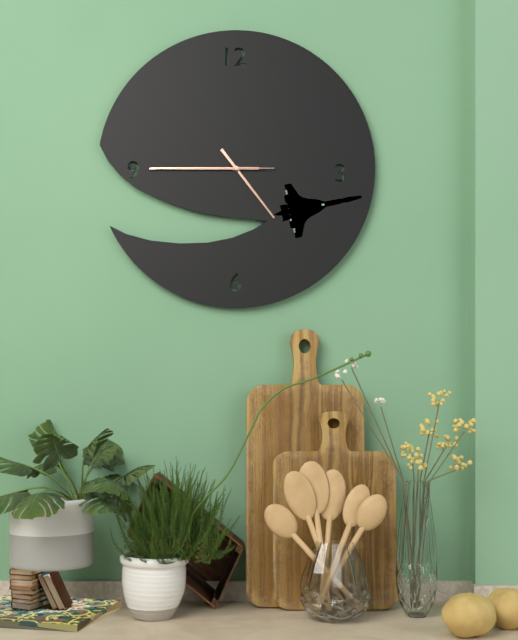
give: {"hour": 4, "minute": 45, "second": 45}
